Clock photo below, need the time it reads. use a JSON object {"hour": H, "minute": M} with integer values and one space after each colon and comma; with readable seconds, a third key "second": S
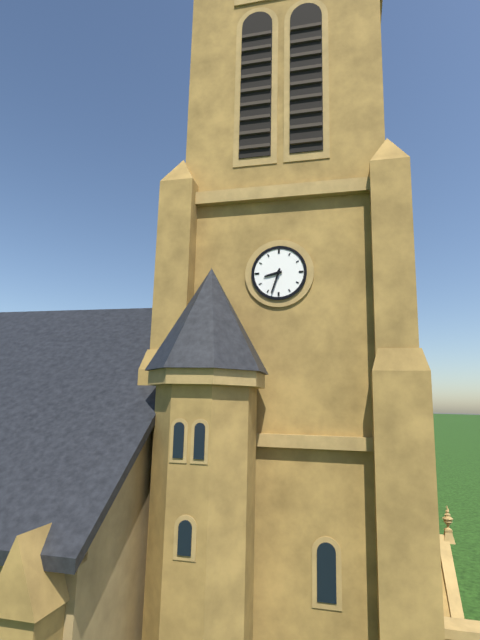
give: {"hour": 8, "minute": 33}
